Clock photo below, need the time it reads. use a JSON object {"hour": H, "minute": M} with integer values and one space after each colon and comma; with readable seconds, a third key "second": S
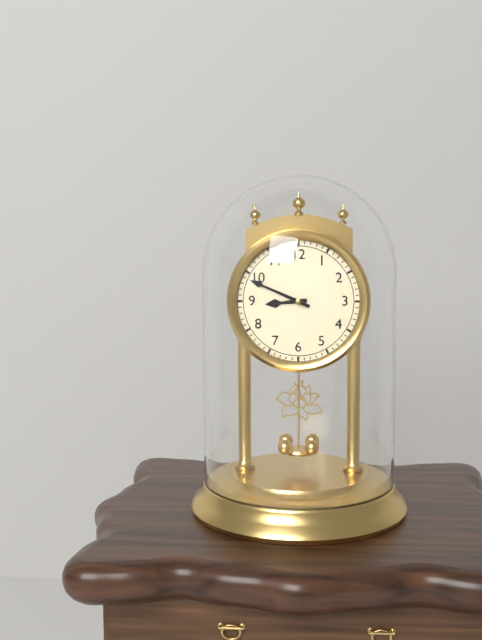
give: {"hour": 8, "minute": 49}
